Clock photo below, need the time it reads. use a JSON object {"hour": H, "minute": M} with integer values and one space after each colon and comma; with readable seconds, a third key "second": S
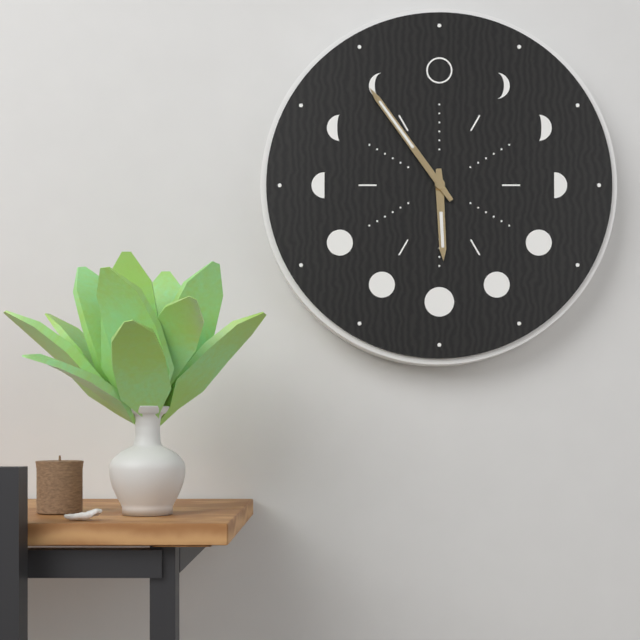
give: {"hour": 5, "minute": 54}
